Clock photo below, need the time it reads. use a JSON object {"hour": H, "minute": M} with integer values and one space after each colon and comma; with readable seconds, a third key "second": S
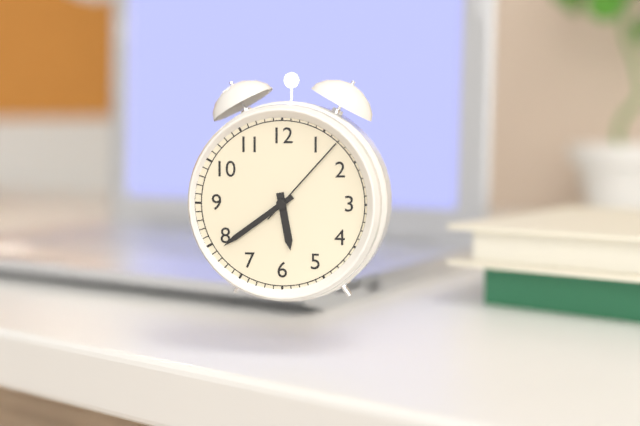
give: {"hour": 5, "minute": 39, "second": 7}
